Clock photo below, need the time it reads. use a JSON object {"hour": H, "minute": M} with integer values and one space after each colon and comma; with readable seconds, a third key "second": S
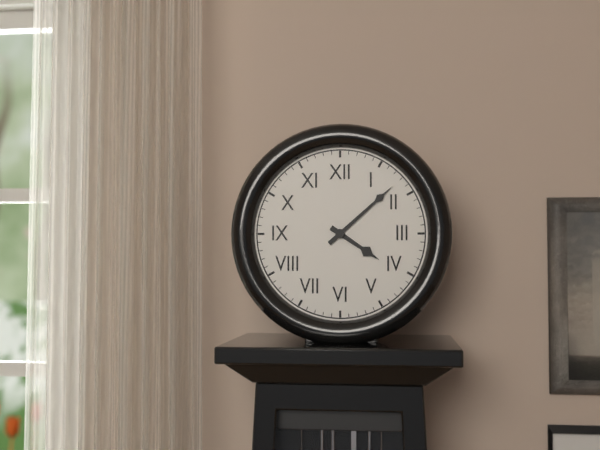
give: {"hour": 4, "minute": 8}
